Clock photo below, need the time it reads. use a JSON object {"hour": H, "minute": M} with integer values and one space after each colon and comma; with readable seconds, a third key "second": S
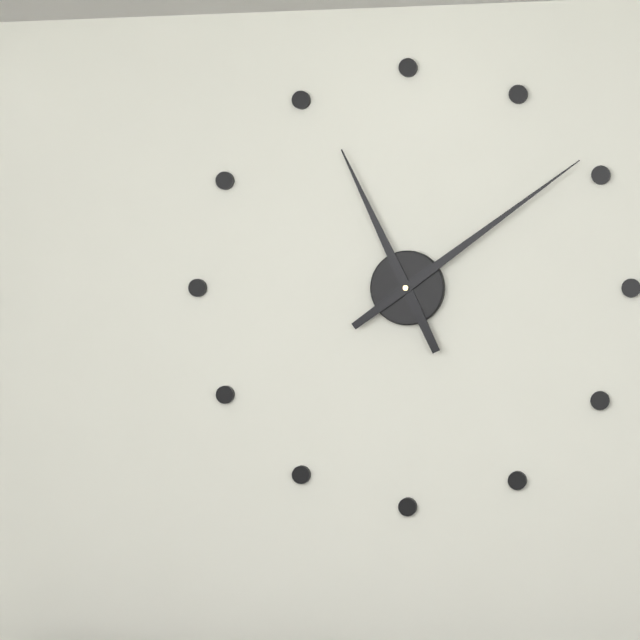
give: {"hour": 11, "minute": 9}
